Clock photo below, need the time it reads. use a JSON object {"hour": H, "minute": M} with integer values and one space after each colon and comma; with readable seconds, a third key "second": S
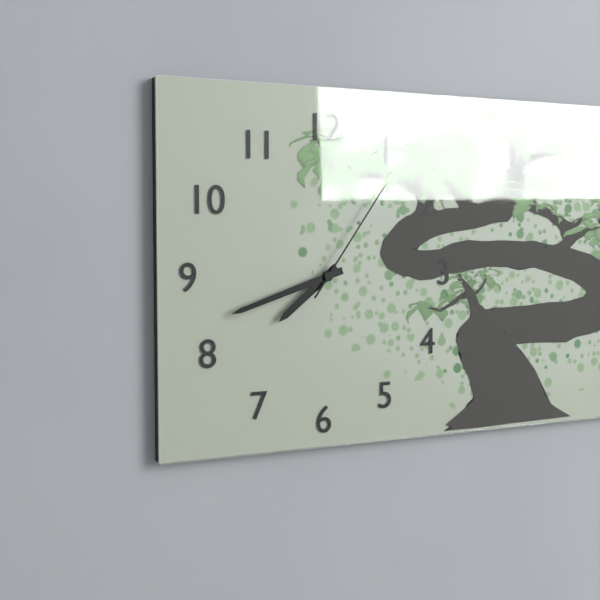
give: {"hour": 7, "minute": 42, "second": 6}
